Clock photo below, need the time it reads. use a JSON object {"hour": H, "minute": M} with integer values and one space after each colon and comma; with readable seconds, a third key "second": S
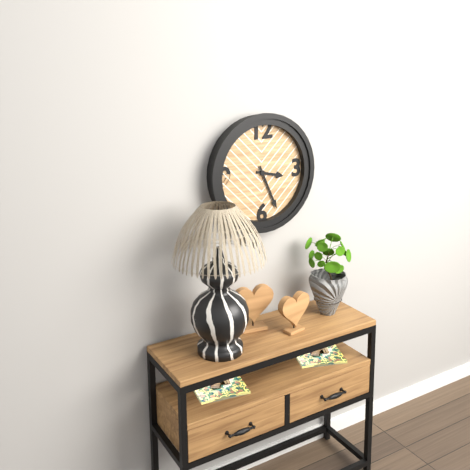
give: {"hour": 3, "minute": 26}
